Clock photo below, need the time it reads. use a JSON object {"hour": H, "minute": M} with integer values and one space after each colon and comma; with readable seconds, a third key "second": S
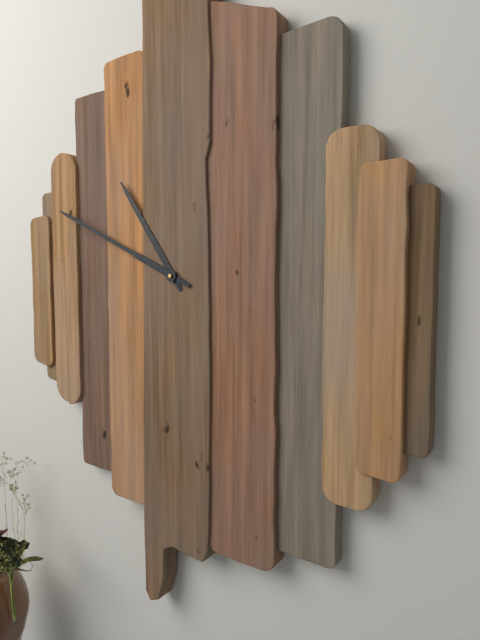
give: {"hour": 10, "minute": 49}
